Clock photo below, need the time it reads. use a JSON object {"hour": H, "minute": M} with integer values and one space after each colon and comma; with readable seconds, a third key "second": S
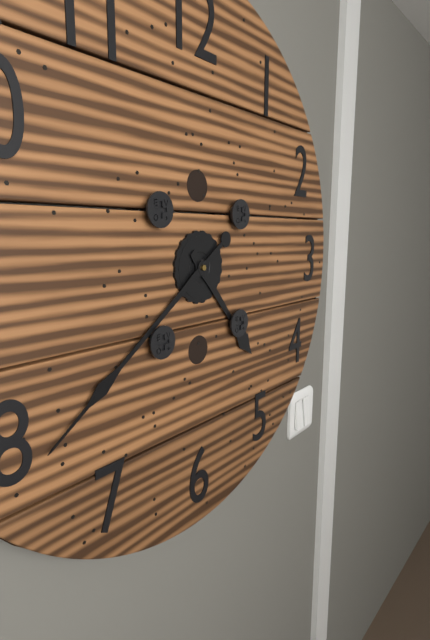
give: {"hour": 4, "minute": 39}
